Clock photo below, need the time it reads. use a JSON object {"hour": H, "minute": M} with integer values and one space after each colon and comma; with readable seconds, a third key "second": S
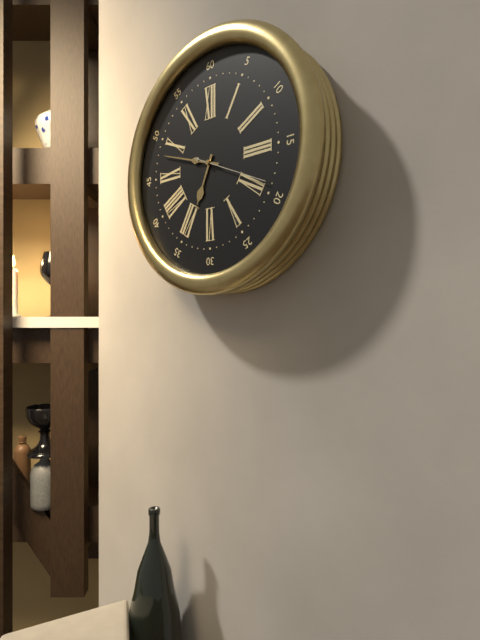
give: {"hour": 6, "minute": 48, "second": 19}
